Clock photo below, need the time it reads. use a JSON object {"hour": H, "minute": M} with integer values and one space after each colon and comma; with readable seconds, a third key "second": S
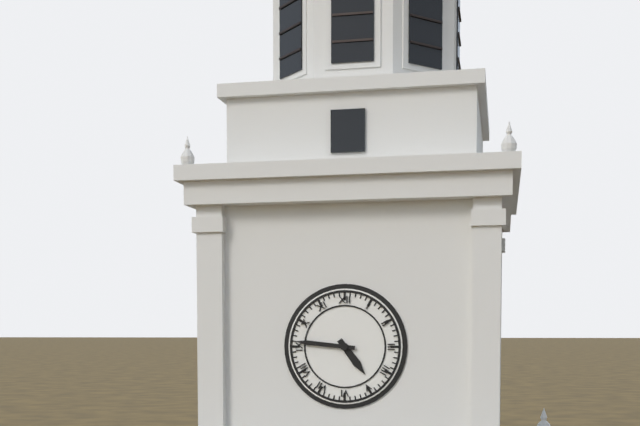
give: {"hour": 4, "minute": 46}
